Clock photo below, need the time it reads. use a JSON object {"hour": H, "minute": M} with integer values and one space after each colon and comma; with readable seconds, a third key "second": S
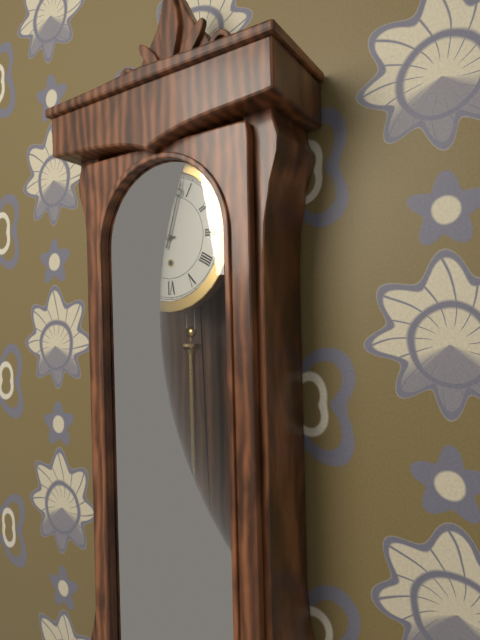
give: {"hour": 9, "minute": 3}
